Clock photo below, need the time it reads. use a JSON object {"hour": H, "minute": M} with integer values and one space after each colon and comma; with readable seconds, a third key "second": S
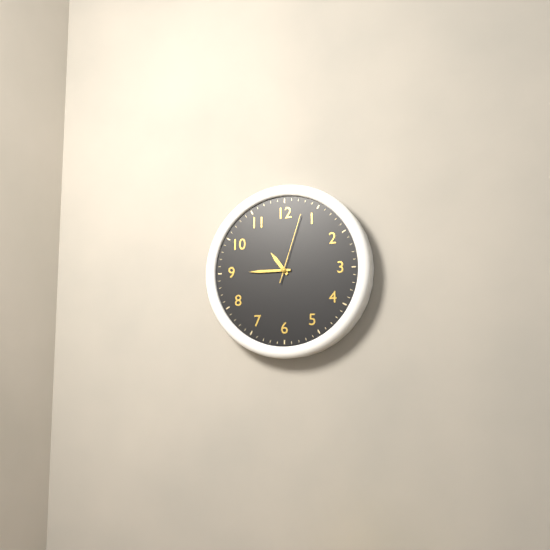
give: {"hour": 10, "minute": 45, "second": 3}
